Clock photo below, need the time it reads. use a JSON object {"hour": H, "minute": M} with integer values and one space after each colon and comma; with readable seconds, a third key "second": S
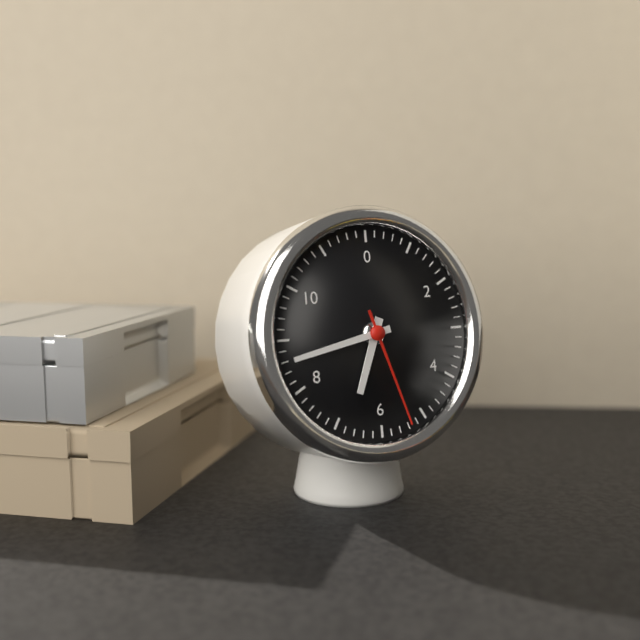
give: {"hour": 6, "minute": 43, "second": 27}
